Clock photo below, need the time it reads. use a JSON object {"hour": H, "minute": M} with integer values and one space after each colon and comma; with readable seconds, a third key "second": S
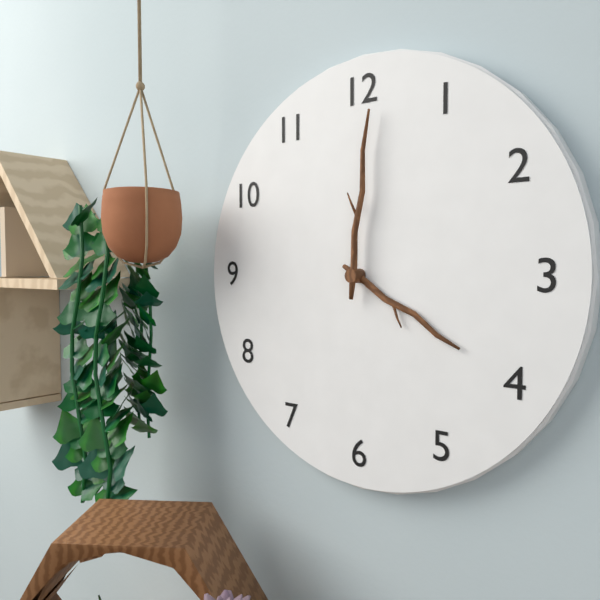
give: {"hour": 4, "minute": 1}
